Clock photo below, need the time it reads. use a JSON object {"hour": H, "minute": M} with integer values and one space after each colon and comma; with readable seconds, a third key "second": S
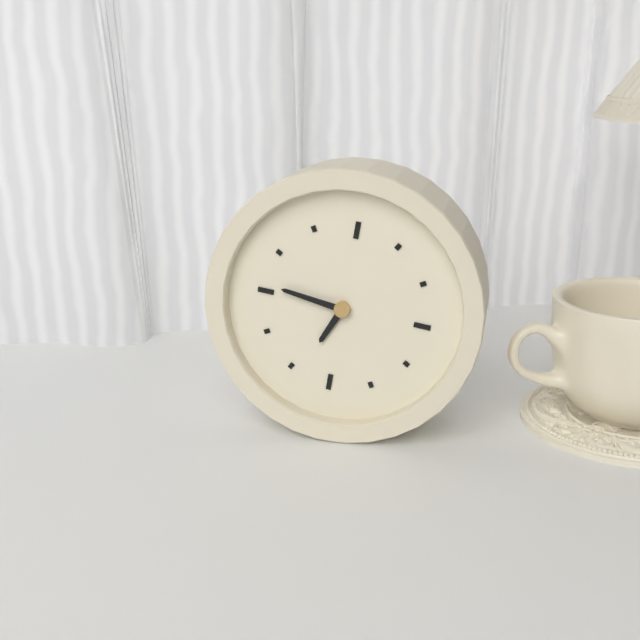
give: {"hour": 6, "minute": 46}
